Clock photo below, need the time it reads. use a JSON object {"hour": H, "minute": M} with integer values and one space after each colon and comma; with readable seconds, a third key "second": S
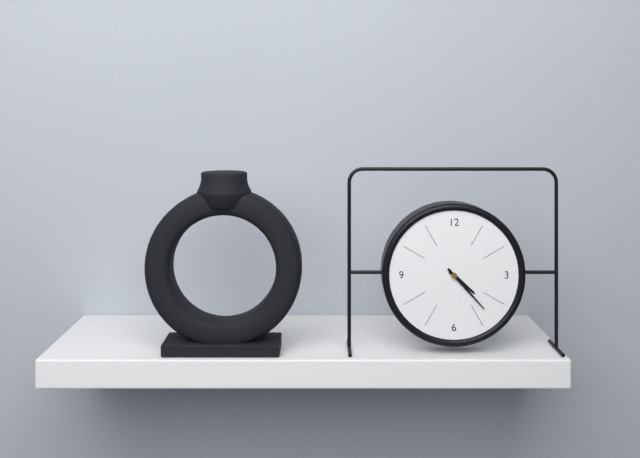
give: {"hour": 4, "minute": 23}
